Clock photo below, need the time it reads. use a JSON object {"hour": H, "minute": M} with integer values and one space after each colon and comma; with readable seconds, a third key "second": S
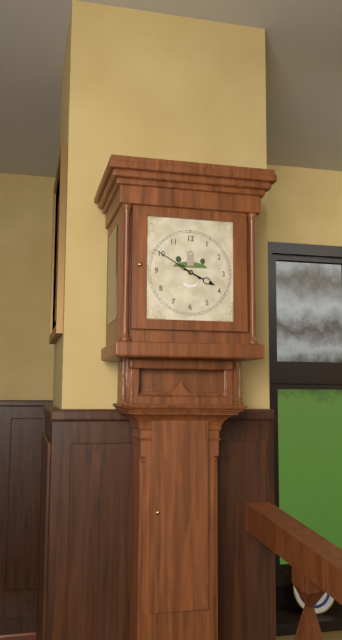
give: {"hour": 3, "minute": 50}
